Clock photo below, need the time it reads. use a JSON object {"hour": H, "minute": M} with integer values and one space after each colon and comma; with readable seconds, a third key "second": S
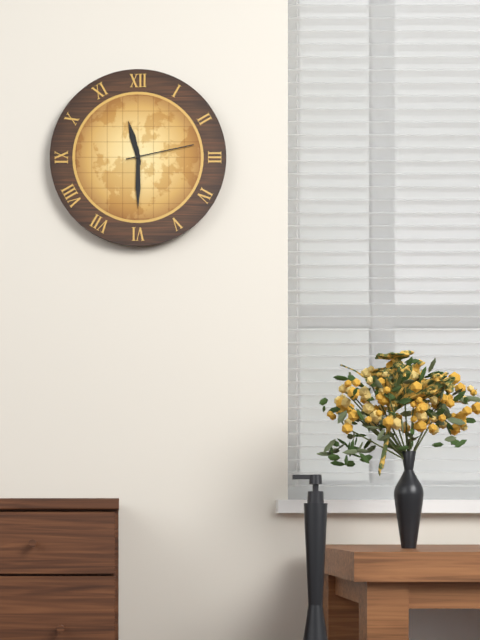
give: {"hour": 11, "minute": 30, "second": 13}
